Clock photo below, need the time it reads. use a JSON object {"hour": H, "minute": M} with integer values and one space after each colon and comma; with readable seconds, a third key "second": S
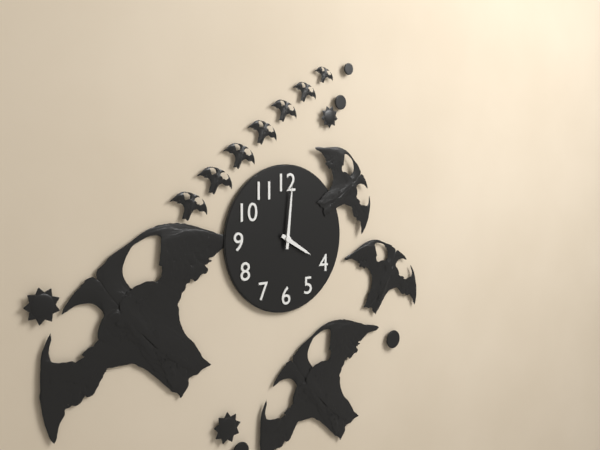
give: {"hour": 4, "minute": 1}
